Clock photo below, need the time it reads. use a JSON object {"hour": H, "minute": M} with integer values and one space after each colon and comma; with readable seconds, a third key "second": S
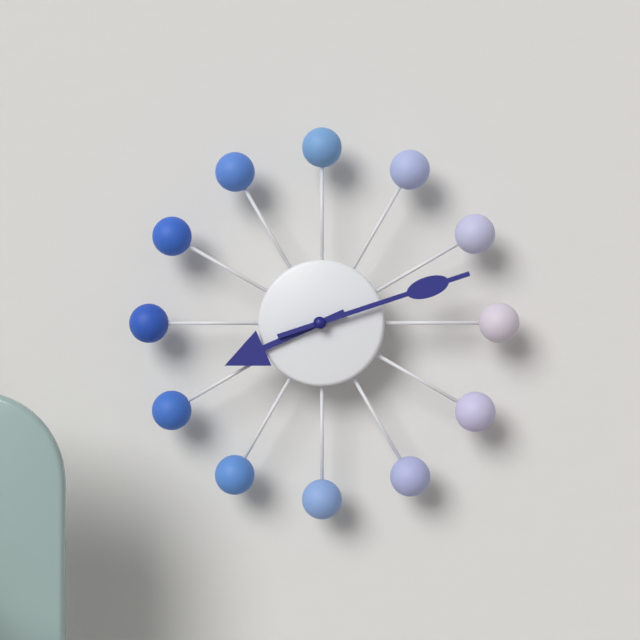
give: {"hour": 8, "minute": 12}
